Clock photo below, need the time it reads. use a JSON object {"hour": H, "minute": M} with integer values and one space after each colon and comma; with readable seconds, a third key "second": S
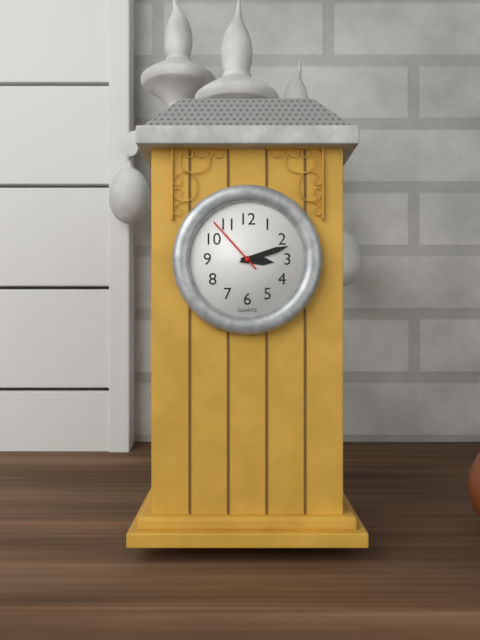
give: {"hour": 3, "minute": 12, "second": 53}
